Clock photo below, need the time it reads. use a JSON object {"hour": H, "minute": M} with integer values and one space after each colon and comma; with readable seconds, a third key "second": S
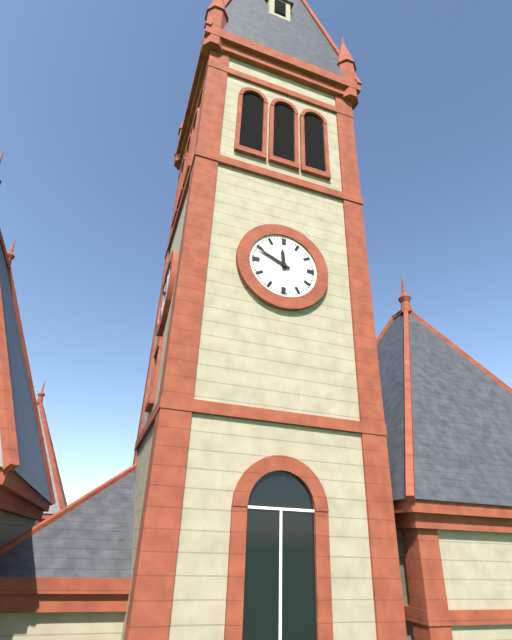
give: {"hour": 11, "minute": 49}
